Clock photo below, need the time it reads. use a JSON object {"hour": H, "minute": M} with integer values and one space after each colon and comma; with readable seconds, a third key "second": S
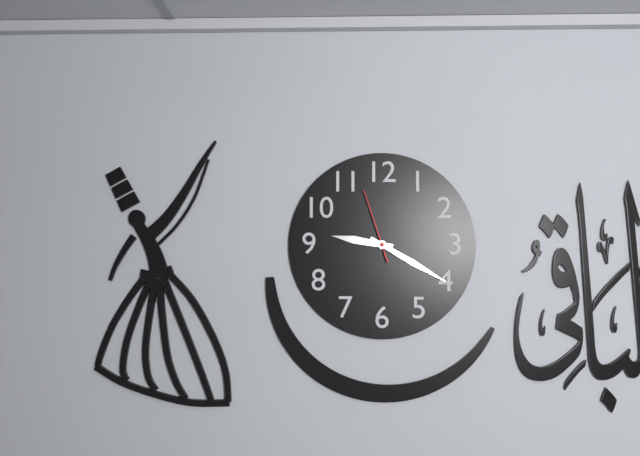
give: {"hour": 9, "minute": 20, "second": 57}
